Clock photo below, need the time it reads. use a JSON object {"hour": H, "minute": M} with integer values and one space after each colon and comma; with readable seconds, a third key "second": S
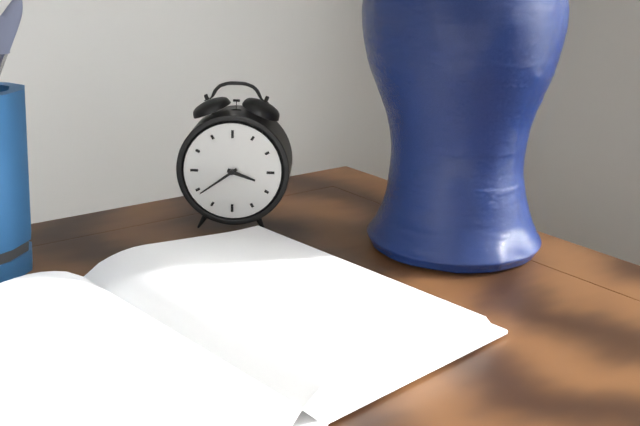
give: {"hour": 3, "minute": 39}
